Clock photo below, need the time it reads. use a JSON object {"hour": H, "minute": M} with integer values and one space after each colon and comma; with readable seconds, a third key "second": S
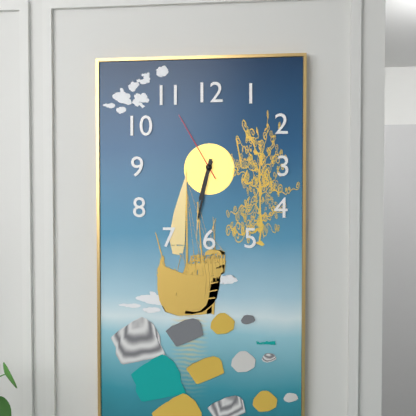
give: {"hour": 6, "minute": 32, "second": 55}
